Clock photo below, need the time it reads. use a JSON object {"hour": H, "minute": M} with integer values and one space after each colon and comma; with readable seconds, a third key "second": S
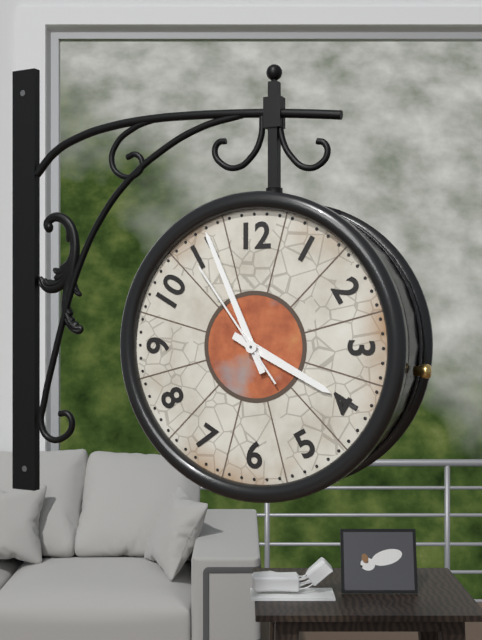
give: {"hour": 3, "minute": 56, "second": 54}
